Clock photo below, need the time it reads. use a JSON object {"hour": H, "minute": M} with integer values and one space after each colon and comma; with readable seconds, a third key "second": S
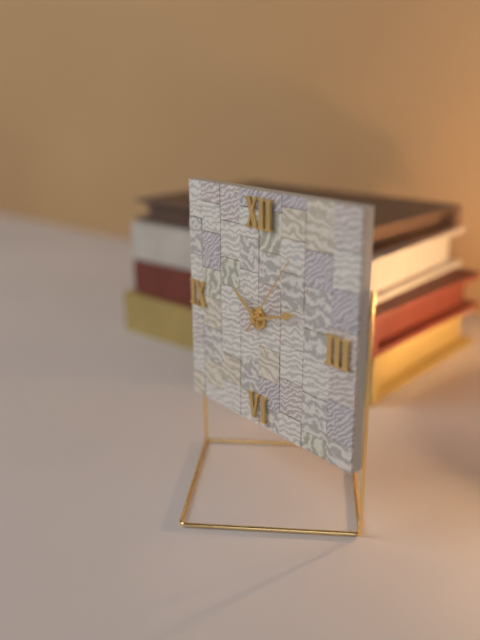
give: {"hour": 10, "minute": 12, "second": 6}
